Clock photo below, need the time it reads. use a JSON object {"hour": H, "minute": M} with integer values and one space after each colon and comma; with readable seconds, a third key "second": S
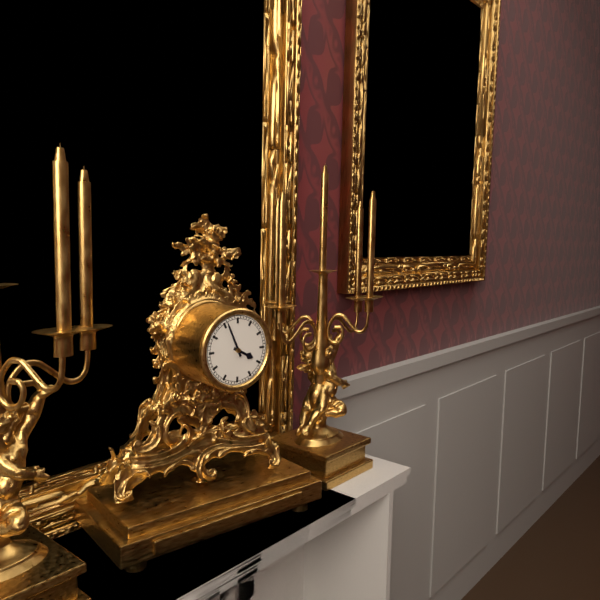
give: {"hour": 3, "minute": 56}
